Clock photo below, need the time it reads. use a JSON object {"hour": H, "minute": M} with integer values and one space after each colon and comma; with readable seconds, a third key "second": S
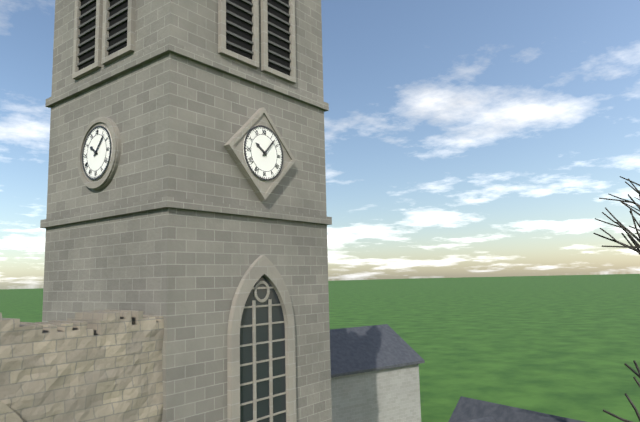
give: {"hour": 10, "minute": 7}
